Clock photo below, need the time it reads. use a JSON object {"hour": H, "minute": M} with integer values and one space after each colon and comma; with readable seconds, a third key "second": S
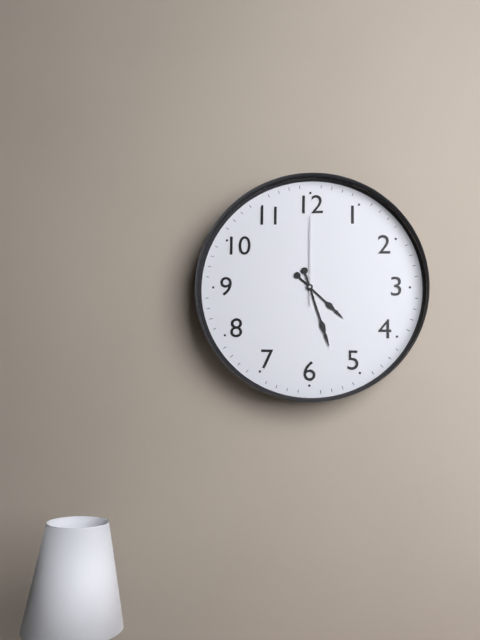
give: {"hour": 4, "minute": 27, "second": 0}
